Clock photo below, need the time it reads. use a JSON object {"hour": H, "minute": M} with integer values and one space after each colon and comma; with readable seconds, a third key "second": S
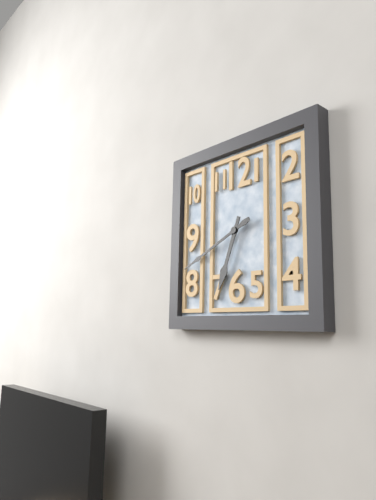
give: {"hour": 6, "minute": 41}
